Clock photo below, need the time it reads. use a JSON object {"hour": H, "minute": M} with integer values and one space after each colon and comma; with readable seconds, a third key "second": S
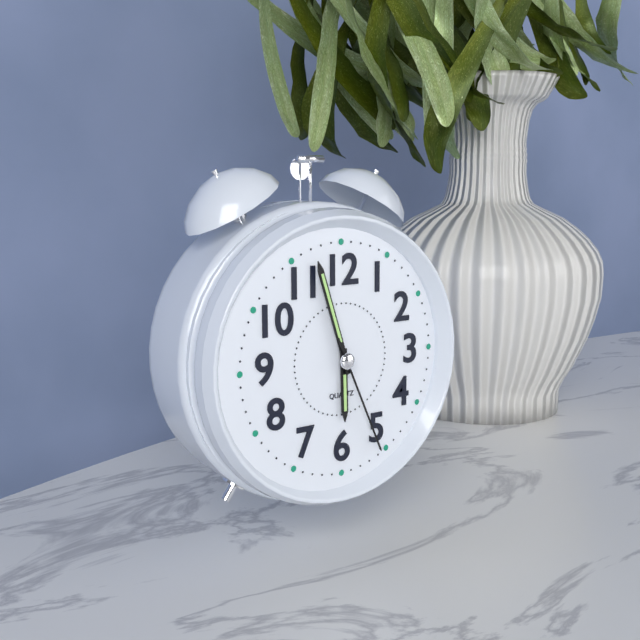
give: {"hour": 5, "minute": 57, "second": 26}
